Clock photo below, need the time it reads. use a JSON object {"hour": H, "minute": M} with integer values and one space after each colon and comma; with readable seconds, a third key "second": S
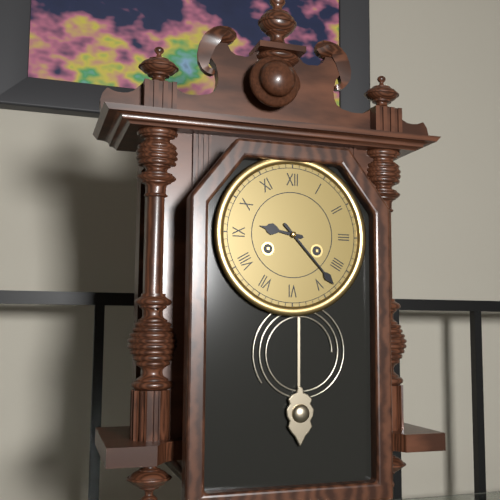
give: {"hour": 9, "minute": 23}
